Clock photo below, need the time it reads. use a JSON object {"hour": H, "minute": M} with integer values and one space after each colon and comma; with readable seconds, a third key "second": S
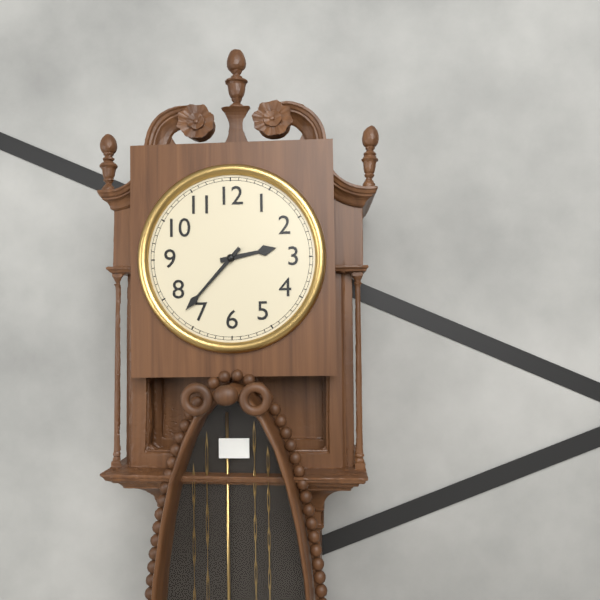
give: {"hour": 2, "minute": 37}
